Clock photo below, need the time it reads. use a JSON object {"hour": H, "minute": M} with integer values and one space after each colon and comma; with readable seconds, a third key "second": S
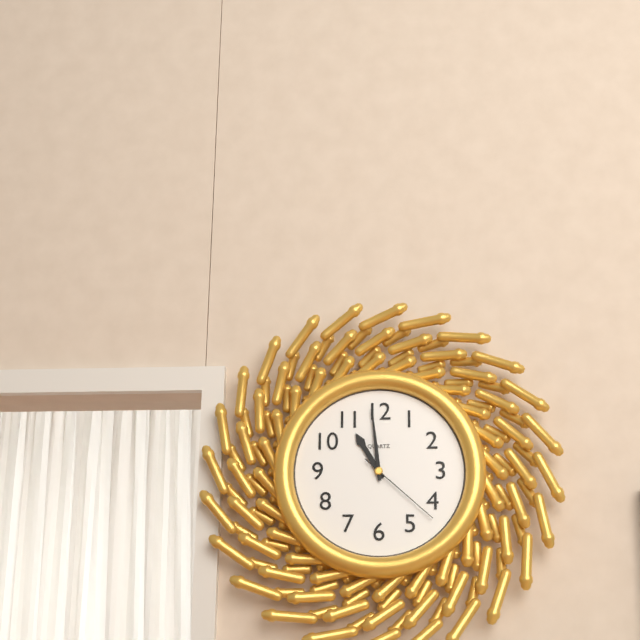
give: {"hour": 10, "minute": 59, "second": 22}
